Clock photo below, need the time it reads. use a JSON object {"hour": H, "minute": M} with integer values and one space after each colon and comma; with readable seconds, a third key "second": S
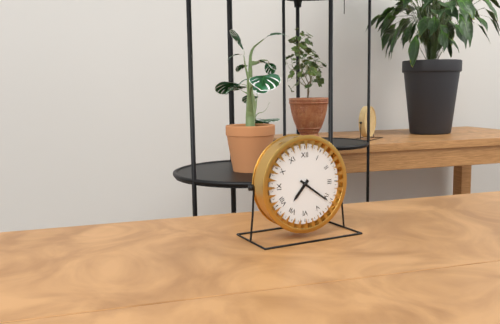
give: {"hour": 7, "minute": 21}
